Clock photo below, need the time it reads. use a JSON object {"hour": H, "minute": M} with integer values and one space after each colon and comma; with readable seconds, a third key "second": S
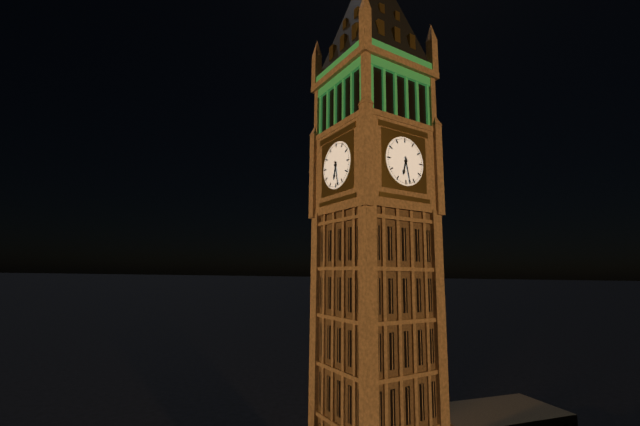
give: {"hour": 6, "minute": 28}
